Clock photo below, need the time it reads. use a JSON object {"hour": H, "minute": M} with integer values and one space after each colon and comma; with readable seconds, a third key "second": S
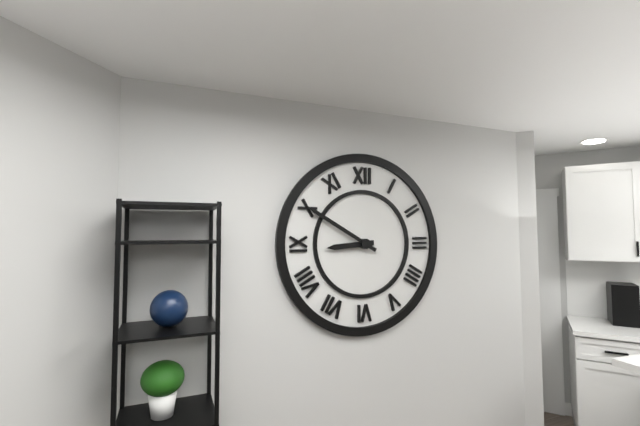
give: {"hour": 8, "minute": 50}
